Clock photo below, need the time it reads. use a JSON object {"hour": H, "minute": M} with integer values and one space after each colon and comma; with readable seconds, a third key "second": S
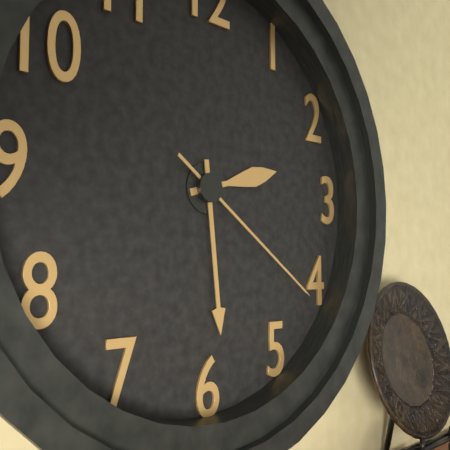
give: {"hour": 2, "minute": 29, "second": 21}
